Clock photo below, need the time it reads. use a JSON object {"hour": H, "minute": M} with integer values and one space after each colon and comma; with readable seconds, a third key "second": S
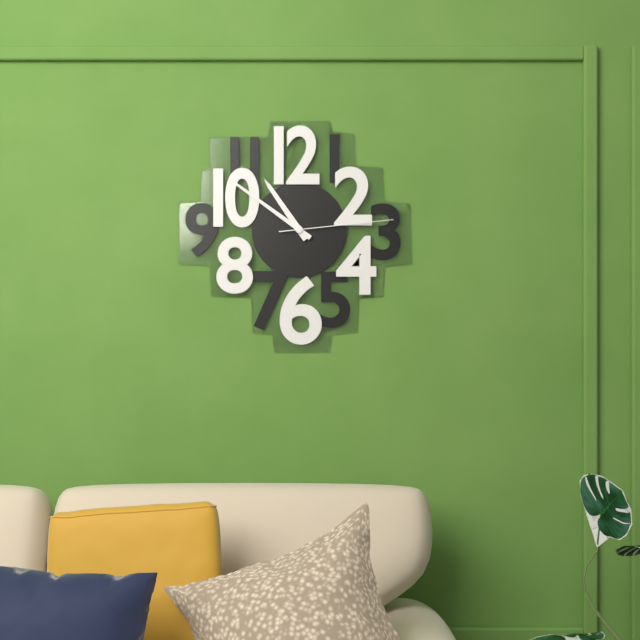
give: {"hour": 10, "minute": 51, "second": 14}
